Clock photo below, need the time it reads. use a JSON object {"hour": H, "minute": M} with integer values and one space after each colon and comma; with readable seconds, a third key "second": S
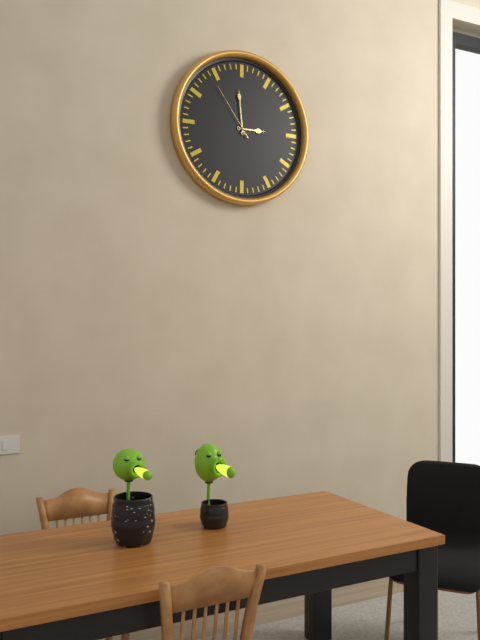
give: {"hour": 2, "minute": 59, "second": 54}
